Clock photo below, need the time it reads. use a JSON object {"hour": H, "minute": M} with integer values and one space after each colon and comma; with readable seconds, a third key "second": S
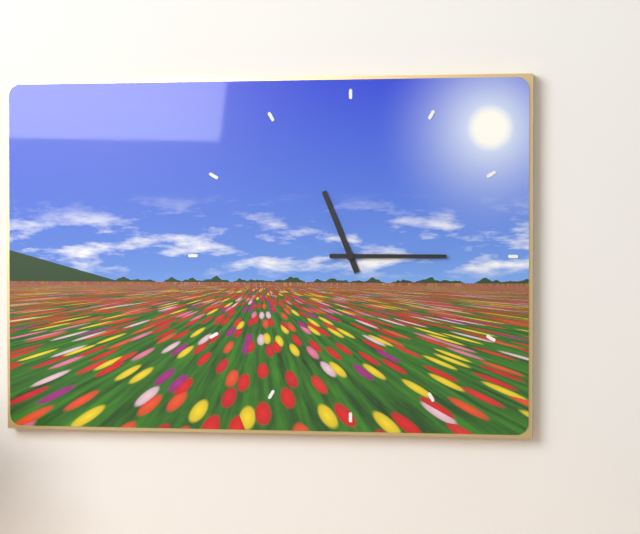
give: {"hour": 11, "minute": 15}
